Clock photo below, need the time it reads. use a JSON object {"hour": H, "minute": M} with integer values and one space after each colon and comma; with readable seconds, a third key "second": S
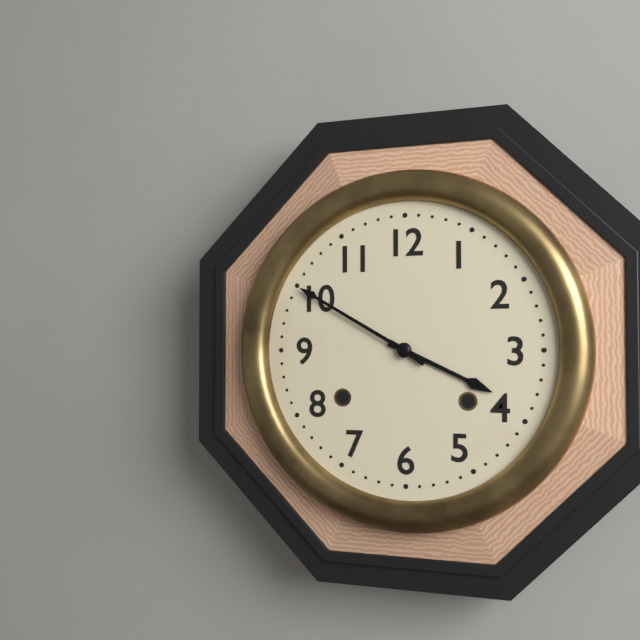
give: {"hour": 3, "minute": 50}
